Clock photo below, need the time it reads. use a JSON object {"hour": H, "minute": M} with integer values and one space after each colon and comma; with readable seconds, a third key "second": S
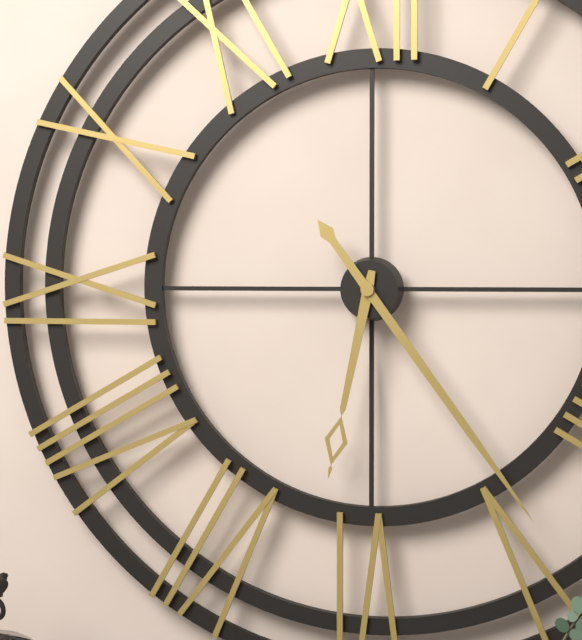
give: {"hour": 6, "minute": 24}
